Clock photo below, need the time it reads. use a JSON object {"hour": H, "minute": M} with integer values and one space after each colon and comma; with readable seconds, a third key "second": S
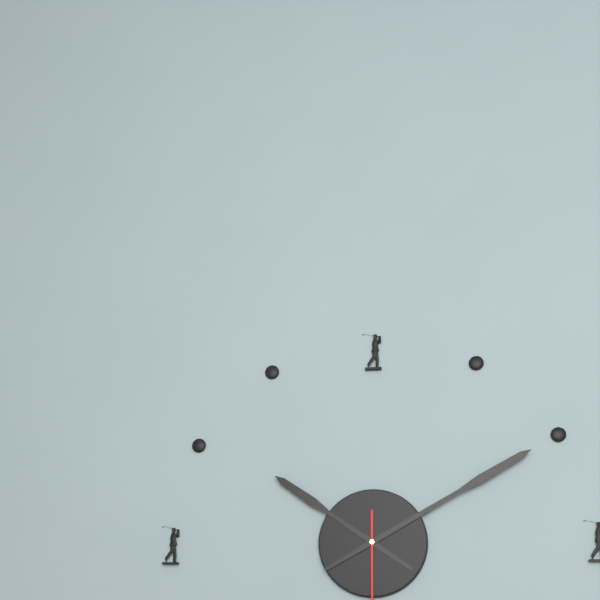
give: {"hour": 10, "minute": 10}
